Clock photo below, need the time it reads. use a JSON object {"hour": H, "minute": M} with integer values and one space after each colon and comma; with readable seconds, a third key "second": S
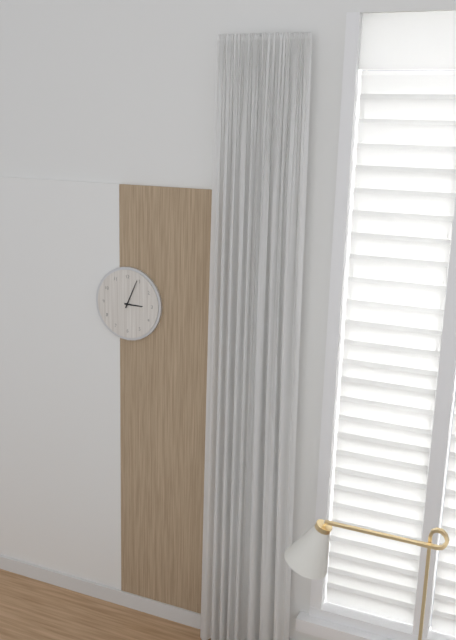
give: {"hour": 3, "minute": 4}
